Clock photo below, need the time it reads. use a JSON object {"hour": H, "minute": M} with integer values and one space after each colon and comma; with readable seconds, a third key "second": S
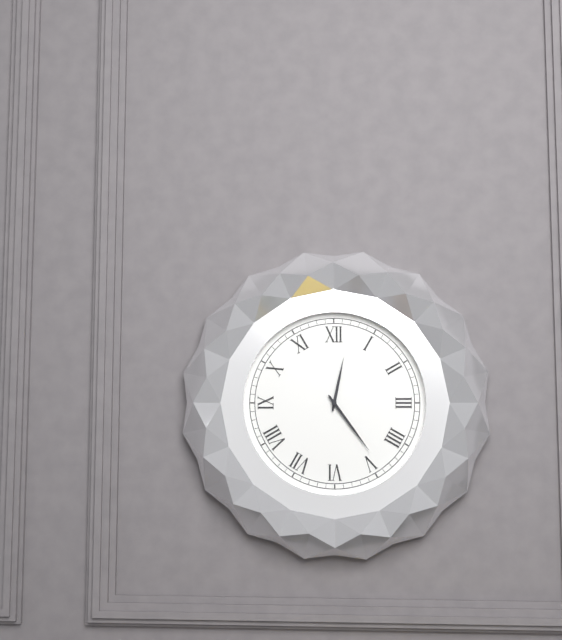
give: {"hour": 12, "minute": 24}
